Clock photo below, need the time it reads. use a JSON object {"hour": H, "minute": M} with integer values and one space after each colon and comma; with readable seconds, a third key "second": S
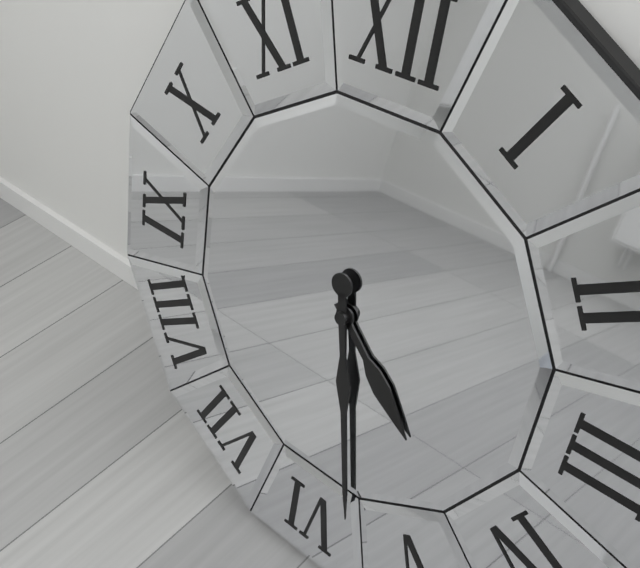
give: {"hour": 4, "minute": 28}
